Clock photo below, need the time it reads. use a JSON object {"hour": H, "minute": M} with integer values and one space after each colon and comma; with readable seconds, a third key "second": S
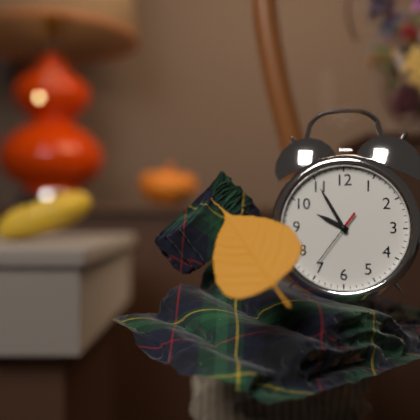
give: {"hour": 9, "minute": 55, "second": 36}
